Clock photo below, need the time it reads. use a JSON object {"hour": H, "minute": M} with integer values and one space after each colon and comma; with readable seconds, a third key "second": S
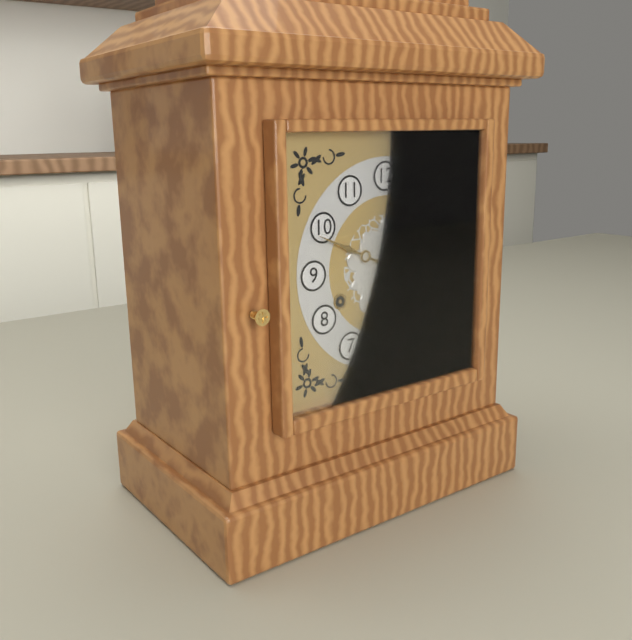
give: {"hour": 6, "minute": 49}
